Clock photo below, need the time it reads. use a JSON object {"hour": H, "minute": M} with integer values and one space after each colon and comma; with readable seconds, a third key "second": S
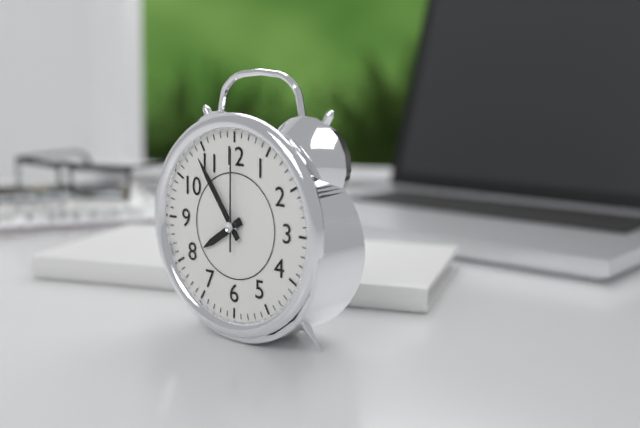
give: {"hour": 7, "minute": 54, "second": 0}
